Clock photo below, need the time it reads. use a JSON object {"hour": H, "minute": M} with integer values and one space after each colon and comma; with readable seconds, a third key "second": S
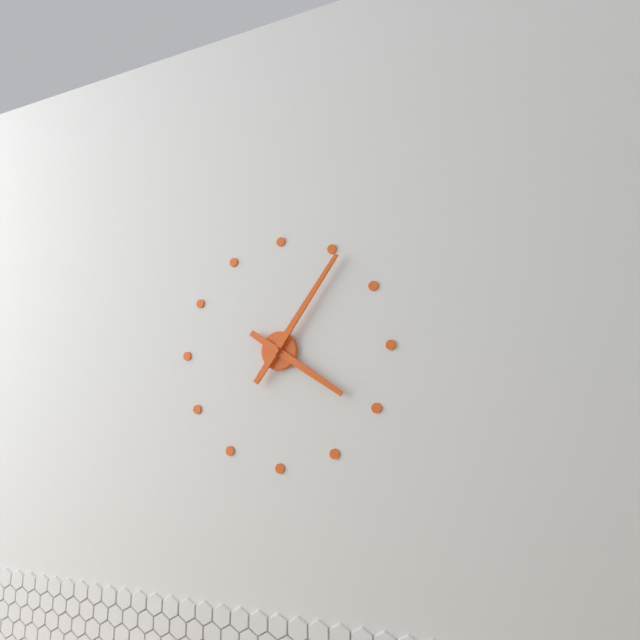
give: {"hour": 4, "minute": 6}
